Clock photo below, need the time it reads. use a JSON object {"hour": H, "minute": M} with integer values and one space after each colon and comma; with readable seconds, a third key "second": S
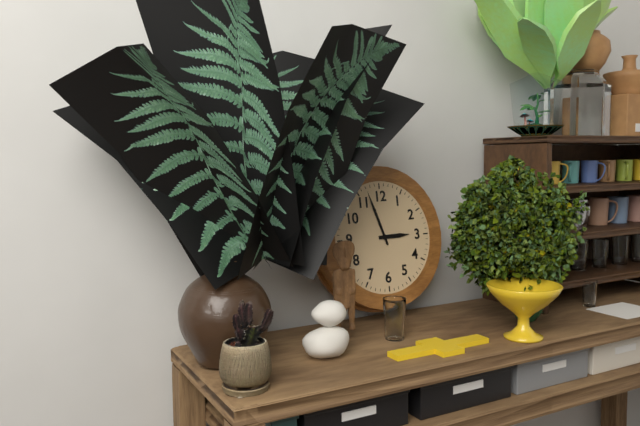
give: {"hour": 2, "minute": 57}
